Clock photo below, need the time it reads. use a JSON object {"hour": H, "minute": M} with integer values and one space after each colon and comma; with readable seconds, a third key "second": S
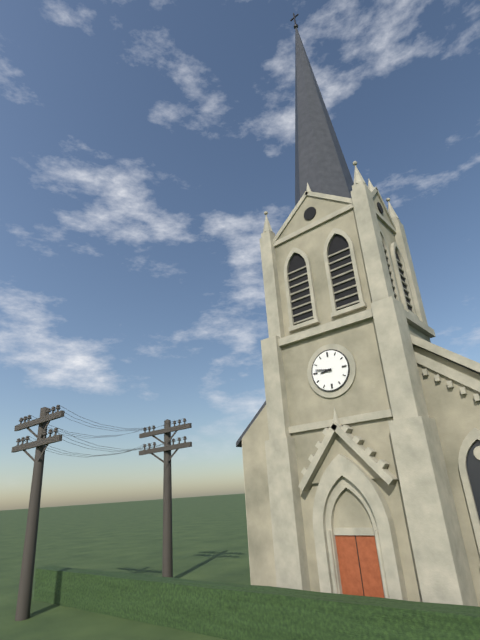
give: {"hour": 8, "minute": 47}
